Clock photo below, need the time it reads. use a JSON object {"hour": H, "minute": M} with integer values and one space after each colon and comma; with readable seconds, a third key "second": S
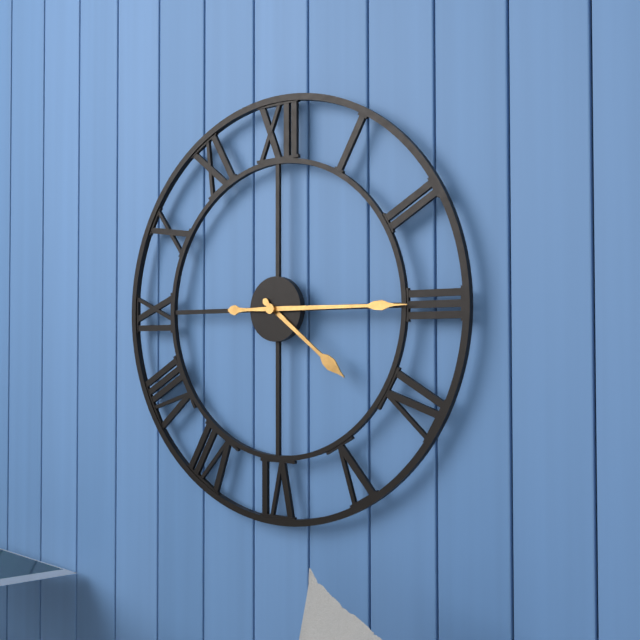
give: {"hour": 4, "minute": 15}
